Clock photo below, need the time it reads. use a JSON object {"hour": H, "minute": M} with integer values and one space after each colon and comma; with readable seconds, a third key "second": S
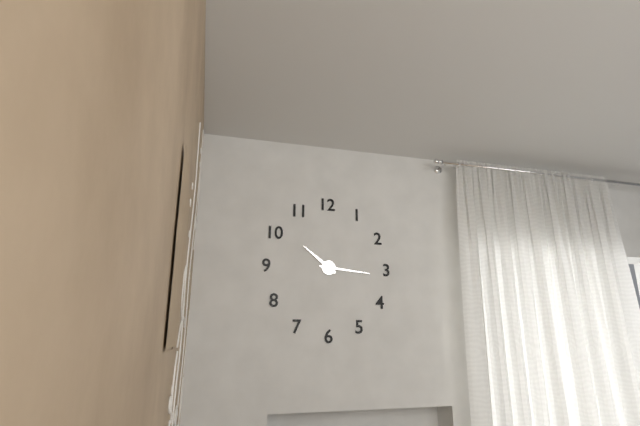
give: {"hour": 10, "minute": 16}
